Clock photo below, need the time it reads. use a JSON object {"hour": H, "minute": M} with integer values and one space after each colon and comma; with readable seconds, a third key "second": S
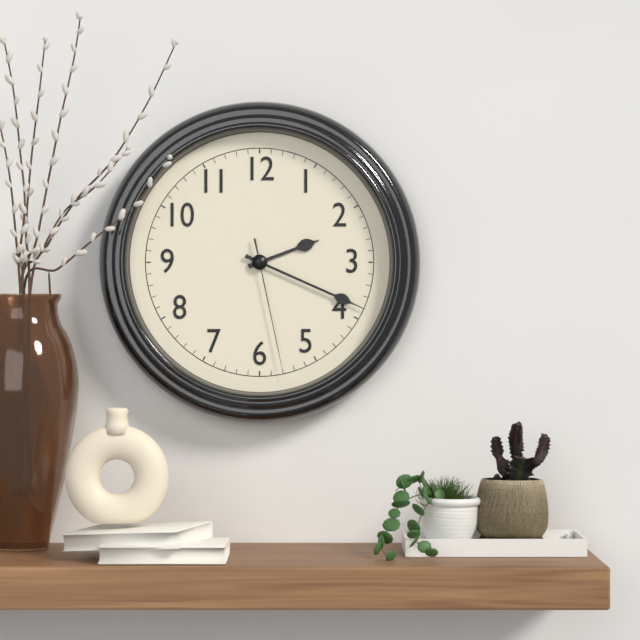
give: {"hour": 2, "minute": 19, "second": 28}
